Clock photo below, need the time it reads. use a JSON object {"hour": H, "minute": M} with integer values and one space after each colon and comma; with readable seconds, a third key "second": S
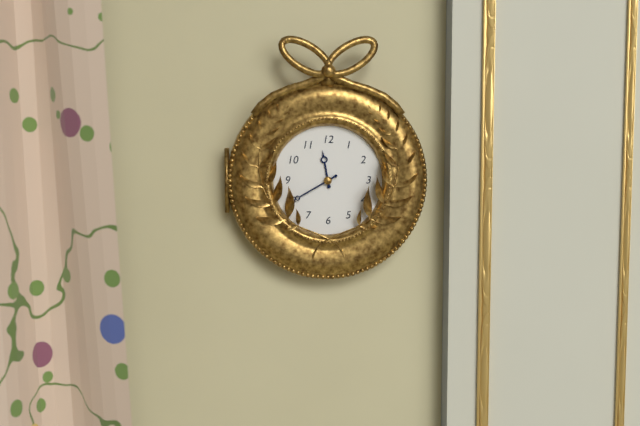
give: {"hour": 11, "minute": 40}
